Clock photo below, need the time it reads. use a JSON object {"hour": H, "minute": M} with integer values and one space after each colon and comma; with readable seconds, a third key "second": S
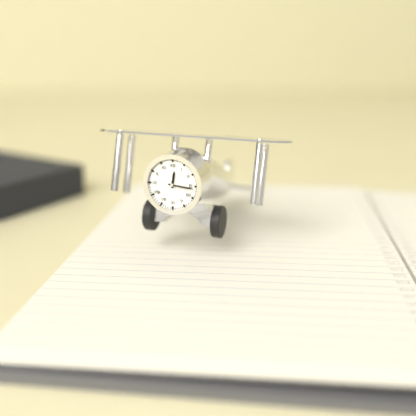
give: {"hour": 12, "minute": 16}
